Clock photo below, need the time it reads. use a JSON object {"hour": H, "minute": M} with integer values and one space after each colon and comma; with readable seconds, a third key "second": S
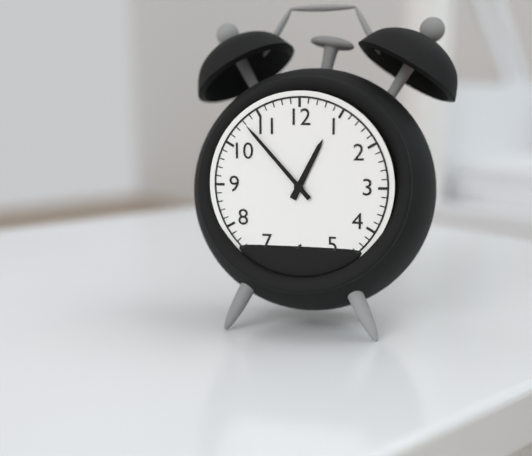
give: {"hour": 12, "minute": 53}
